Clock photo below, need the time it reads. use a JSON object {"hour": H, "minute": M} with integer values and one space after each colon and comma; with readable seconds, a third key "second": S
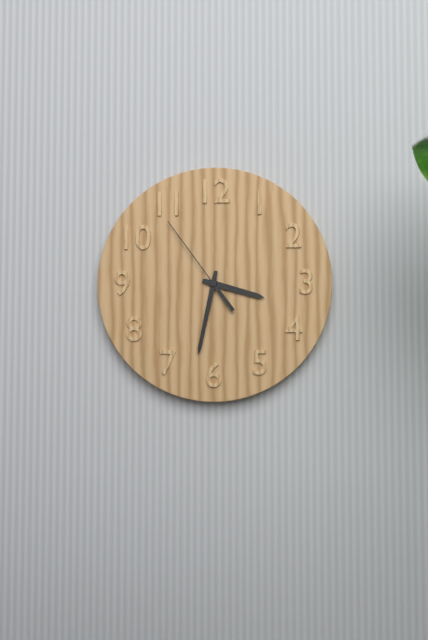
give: {"hour": 3, "minute": 32, "second": 54}
